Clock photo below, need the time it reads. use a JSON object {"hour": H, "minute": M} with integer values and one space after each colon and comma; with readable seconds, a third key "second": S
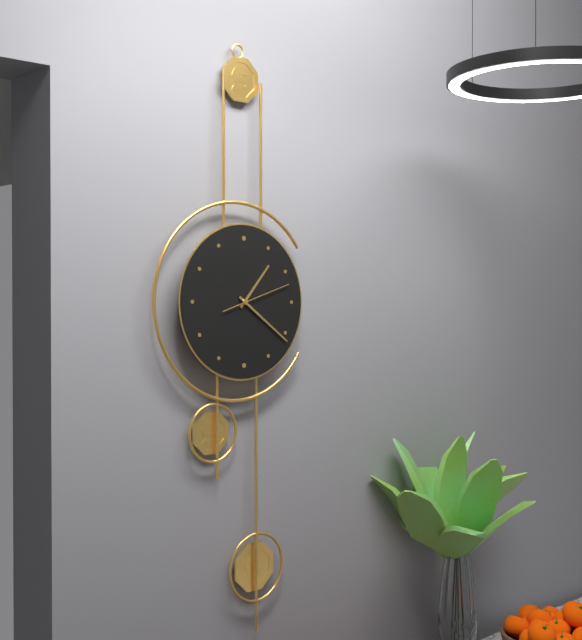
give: {"hour": 1, "minute": 21, "second": 12}
